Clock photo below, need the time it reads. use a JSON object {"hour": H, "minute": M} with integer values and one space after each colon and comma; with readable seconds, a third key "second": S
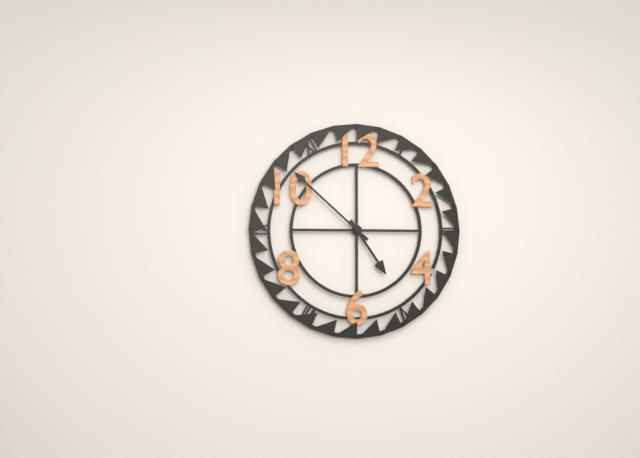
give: {"hour": 4, "minute": 52}
